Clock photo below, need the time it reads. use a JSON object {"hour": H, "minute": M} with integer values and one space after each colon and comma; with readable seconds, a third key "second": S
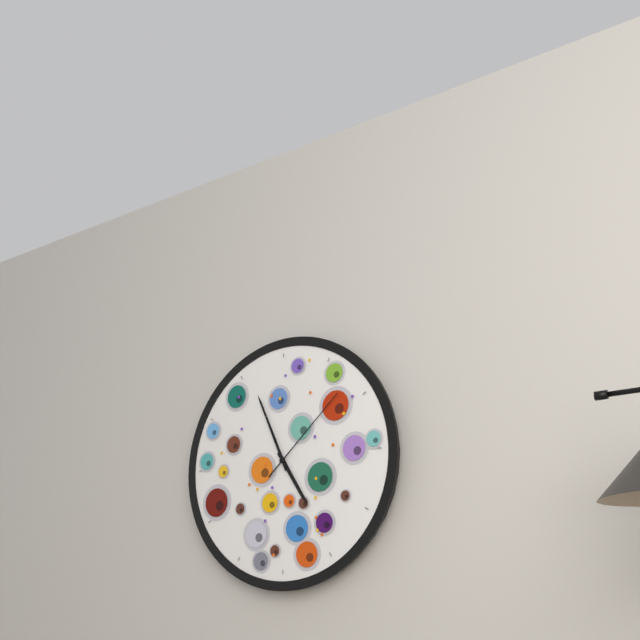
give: {"hour": 4, "minute": 56, "second": 8}
